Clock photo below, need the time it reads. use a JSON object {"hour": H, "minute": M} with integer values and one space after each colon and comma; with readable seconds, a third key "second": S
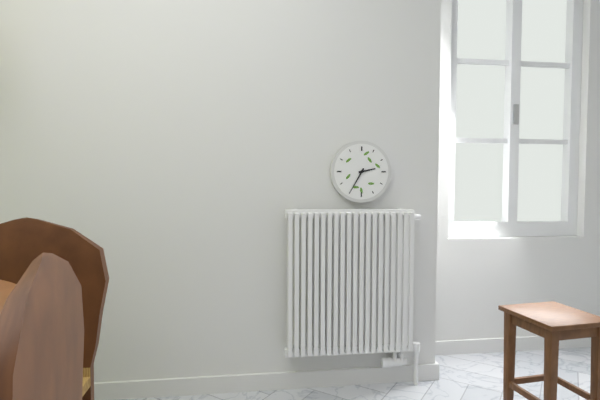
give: {"hour": 2, "minute": 35}
